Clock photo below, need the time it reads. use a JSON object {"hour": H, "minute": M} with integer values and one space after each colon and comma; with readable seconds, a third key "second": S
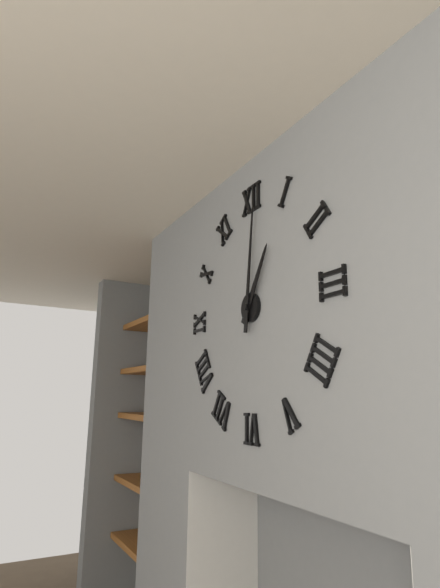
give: {"hour": 1, "minute": 1}
